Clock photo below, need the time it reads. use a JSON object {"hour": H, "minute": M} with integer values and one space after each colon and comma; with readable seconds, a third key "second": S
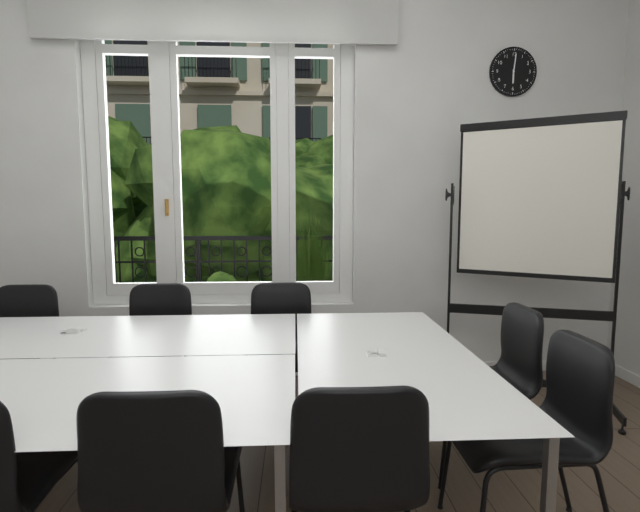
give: {"hour": 6, "minute": 1}
